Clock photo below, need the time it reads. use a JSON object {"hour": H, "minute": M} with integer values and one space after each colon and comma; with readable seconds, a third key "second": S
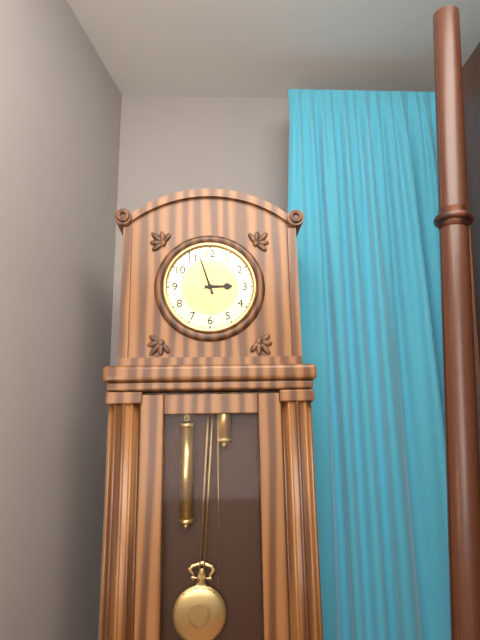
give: {"hour": 2, "minute": 57}
